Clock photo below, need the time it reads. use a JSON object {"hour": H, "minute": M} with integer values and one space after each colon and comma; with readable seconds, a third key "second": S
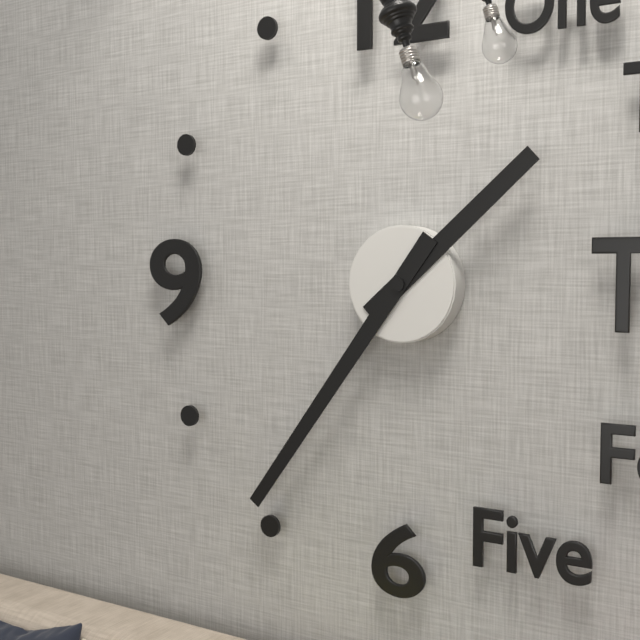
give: {"hour": 1, "minute": 36}
